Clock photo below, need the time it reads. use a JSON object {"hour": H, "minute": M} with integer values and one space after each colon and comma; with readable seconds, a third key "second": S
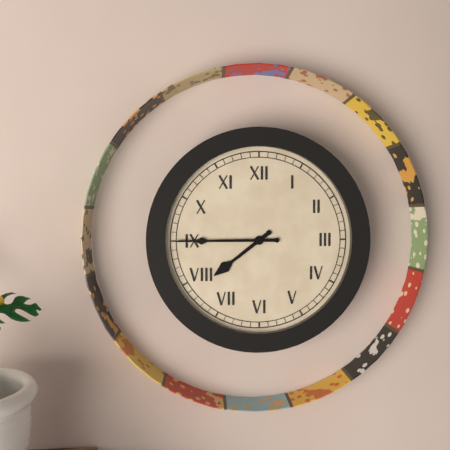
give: {"hour": 7, "minute": 45}
